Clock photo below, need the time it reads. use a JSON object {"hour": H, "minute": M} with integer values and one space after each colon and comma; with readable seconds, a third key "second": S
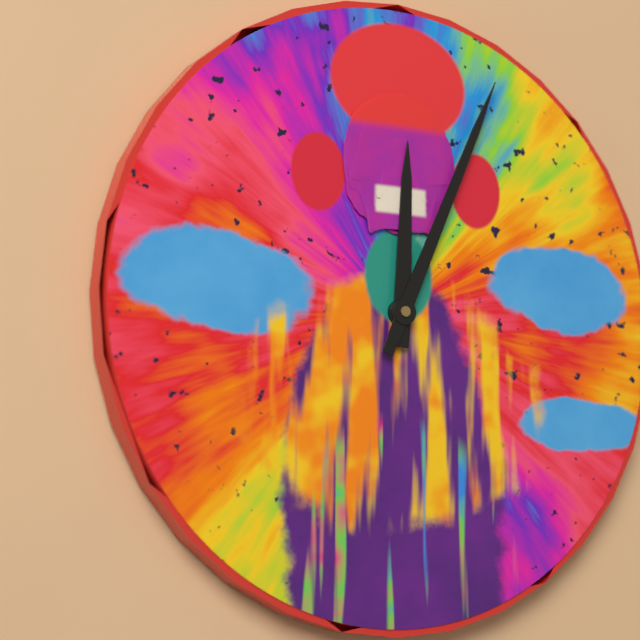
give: {"hour": 12, "minute": 4}
